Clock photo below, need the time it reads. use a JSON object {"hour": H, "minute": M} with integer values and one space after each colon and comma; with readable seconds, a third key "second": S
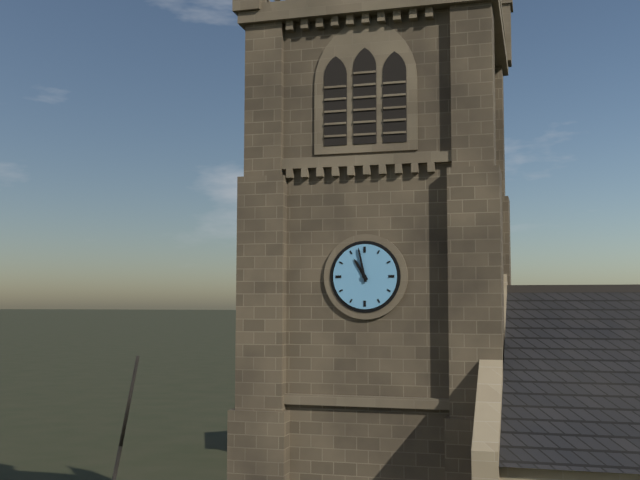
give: {"hour": 10, "minute": 58}
